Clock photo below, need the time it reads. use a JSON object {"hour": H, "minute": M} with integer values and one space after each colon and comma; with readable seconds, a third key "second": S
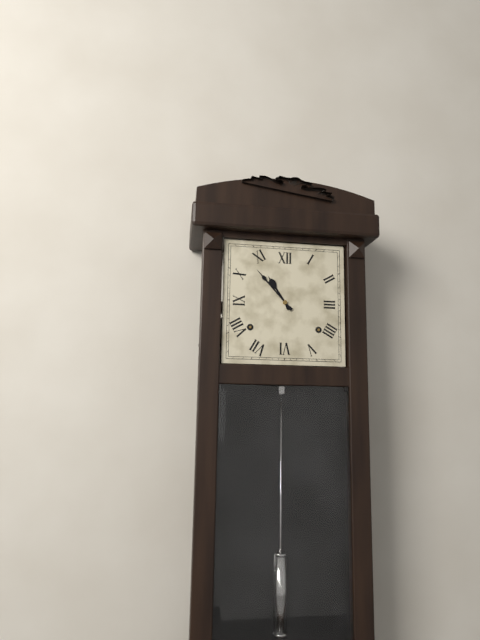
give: {"hour": 10, "minute": 53}
